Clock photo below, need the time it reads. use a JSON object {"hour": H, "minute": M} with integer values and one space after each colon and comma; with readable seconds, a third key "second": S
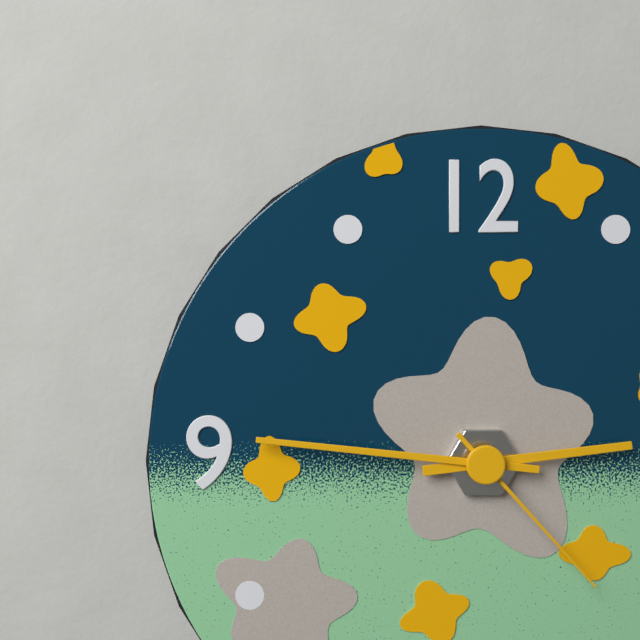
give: {"hour": 2, "minute": 46, "second": 23}
